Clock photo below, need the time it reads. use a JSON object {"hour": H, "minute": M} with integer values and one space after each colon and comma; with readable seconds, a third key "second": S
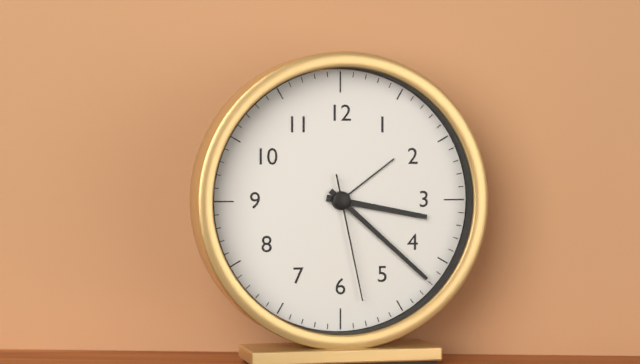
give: {"hour": 3, "minute": 22, "second": 28}
